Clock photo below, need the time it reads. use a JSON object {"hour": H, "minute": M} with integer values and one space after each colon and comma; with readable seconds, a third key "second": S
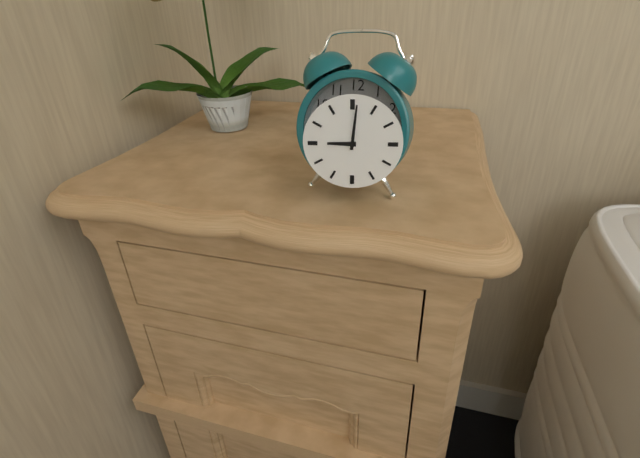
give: {"hour": 9, "minute": 1}
